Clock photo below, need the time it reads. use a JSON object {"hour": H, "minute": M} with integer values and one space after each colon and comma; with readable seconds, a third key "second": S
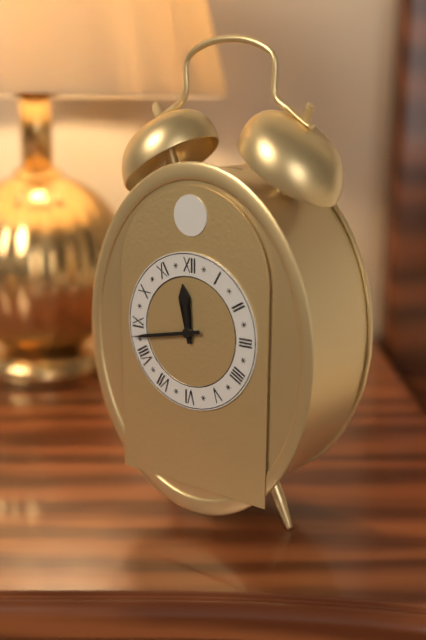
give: {"hour": 11, "minute": 43}
